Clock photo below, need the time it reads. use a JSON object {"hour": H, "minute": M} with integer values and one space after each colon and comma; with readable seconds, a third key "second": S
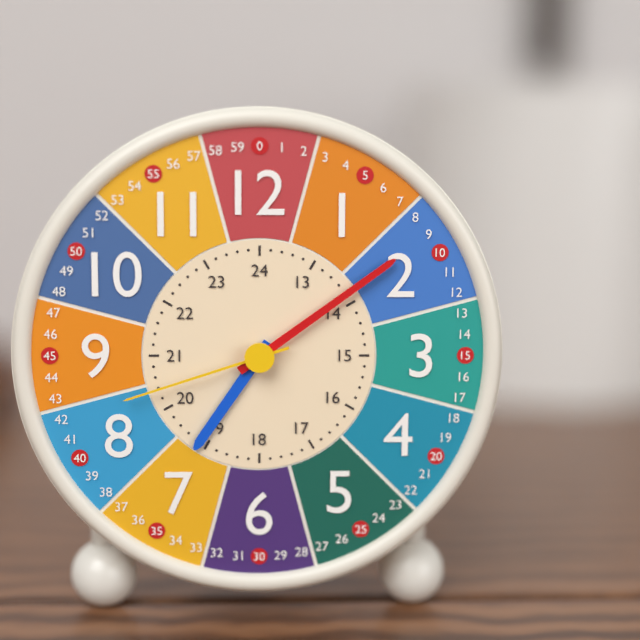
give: {"hour": 7, "minute": 9, "second": 42}
